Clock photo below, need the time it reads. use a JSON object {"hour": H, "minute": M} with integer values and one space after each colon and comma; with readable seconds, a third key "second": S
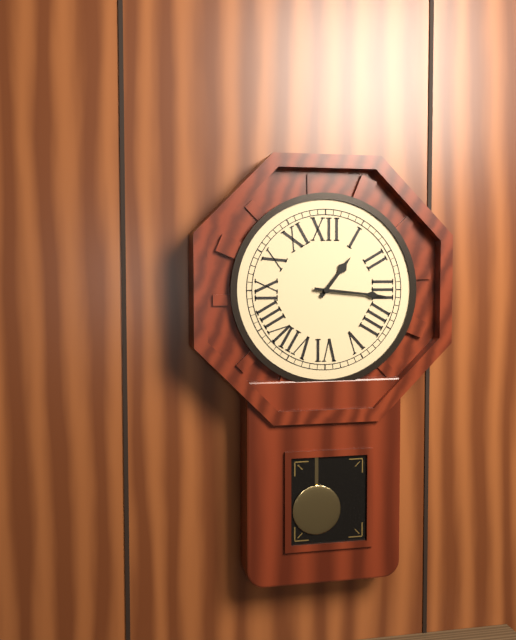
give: {"hour": 1, "minute": 16}
